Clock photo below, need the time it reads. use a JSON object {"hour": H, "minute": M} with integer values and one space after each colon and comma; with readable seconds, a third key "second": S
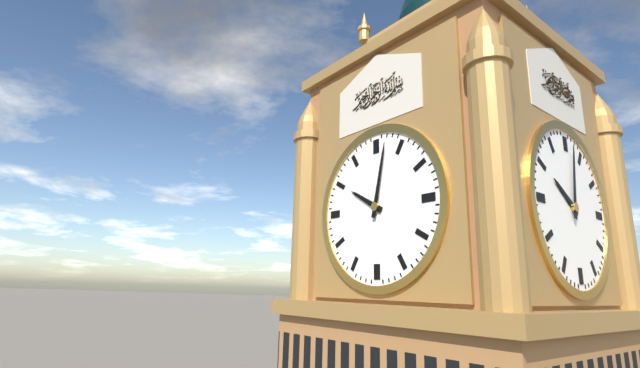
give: {"hour": 10, "minute": 2}
